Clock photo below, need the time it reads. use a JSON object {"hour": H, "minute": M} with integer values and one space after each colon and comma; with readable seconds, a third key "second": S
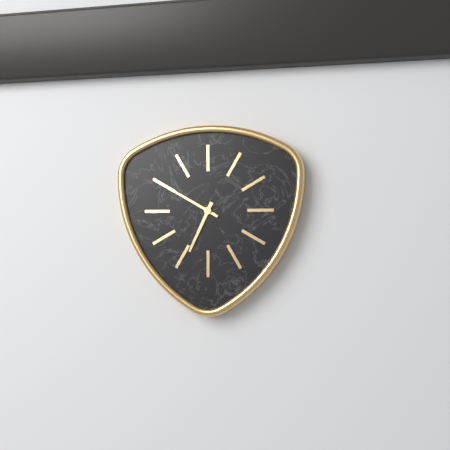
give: {"hour": 6, "minute": 50}
